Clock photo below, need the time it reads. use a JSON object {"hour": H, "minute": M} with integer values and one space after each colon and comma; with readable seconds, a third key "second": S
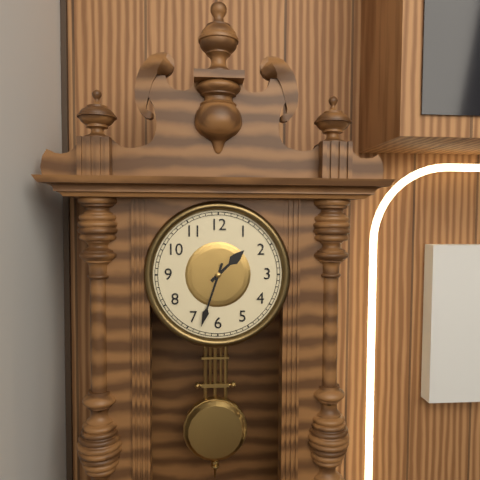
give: {"hour": 1, "minute": 33}
